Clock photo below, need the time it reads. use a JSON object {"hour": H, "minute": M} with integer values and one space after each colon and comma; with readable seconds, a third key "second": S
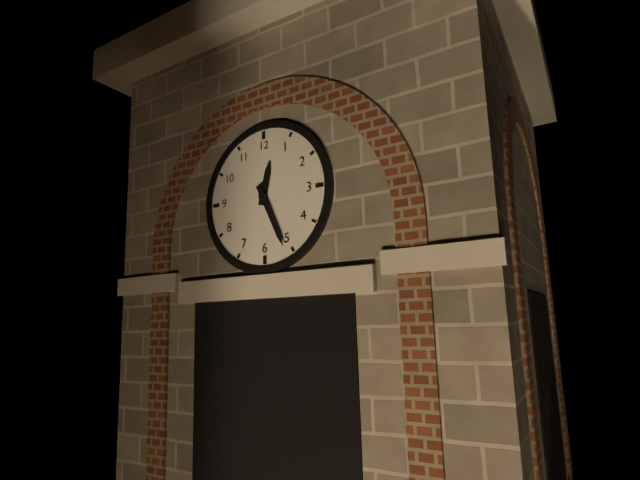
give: {"hour": 12, "minute": 26}
